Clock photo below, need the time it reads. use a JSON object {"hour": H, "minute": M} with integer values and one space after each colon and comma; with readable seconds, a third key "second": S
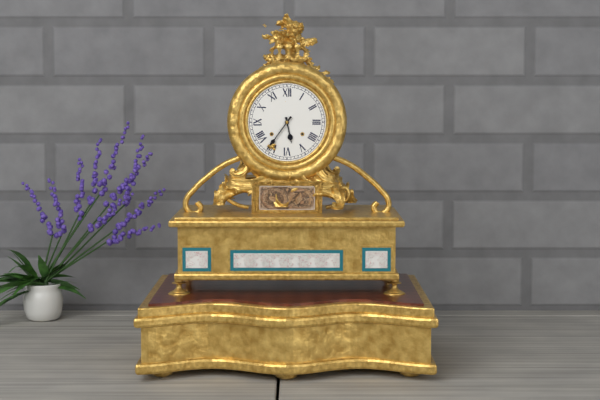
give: {"hour": 5, "minute": 36}
